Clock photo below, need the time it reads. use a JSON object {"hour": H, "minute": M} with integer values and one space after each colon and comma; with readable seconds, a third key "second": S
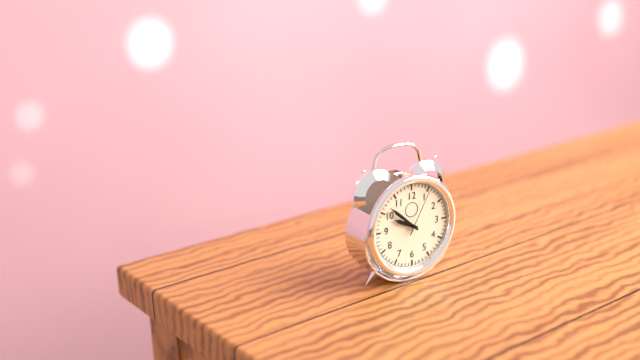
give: {"hour": 9, "minute": 52}
